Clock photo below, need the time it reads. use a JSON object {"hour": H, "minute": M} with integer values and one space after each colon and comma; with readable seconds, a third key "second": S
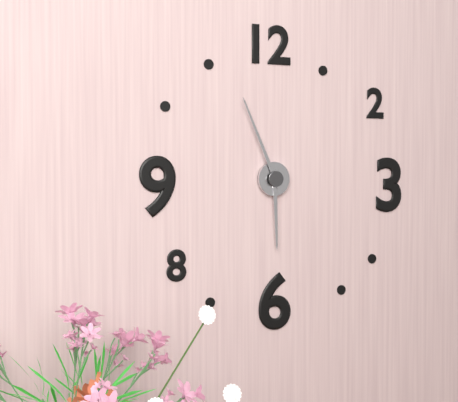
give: {"hour": 5, "minute": 56}
